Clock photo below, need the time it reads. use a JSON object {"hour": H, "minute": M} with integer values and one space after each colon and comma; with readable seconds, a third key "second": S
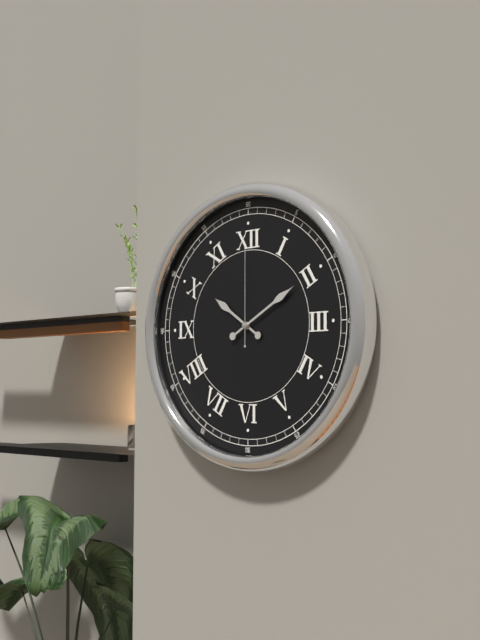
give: {"hour": 10, "minute": 10, "second": 0}
